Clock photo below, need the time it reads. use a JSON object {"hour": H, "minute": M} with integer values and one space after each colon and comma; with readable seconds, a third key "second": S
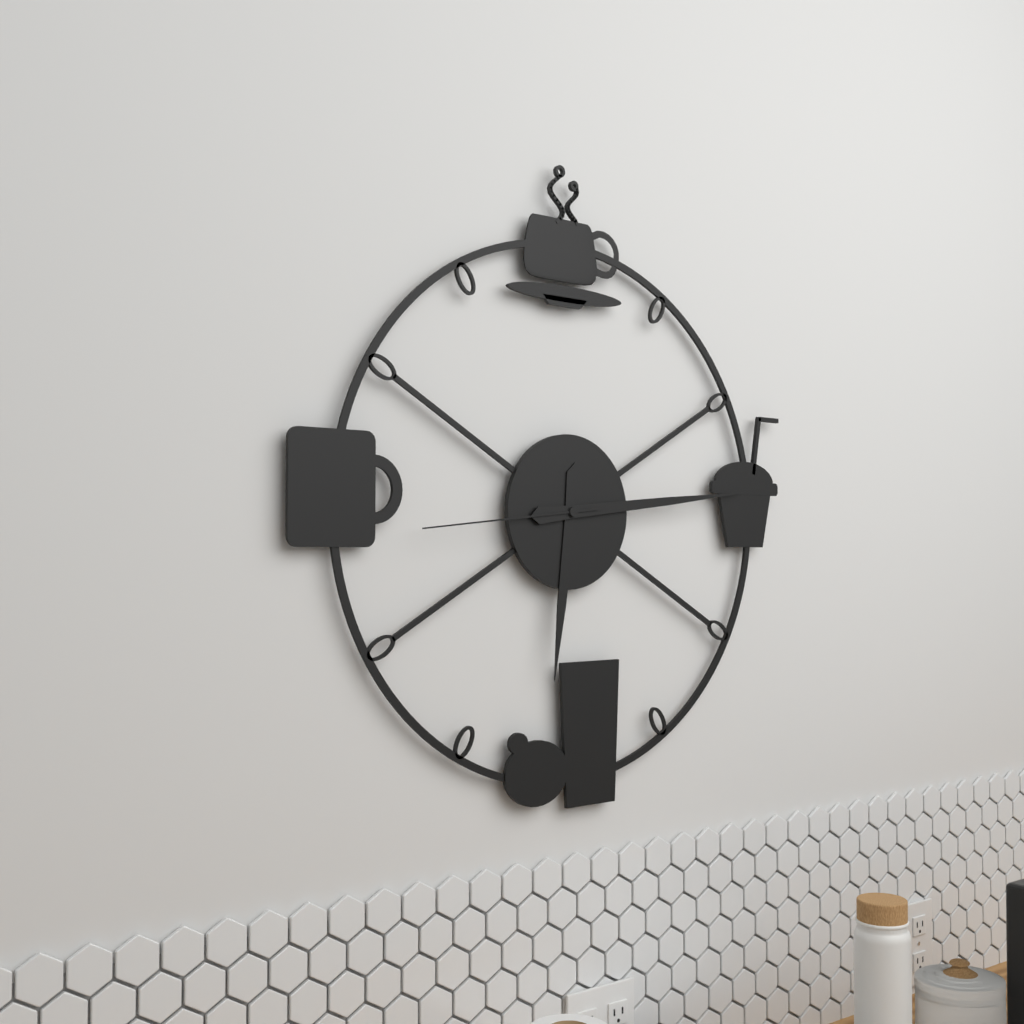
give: {"hour": 6, "minute": 14, "second": 44}
